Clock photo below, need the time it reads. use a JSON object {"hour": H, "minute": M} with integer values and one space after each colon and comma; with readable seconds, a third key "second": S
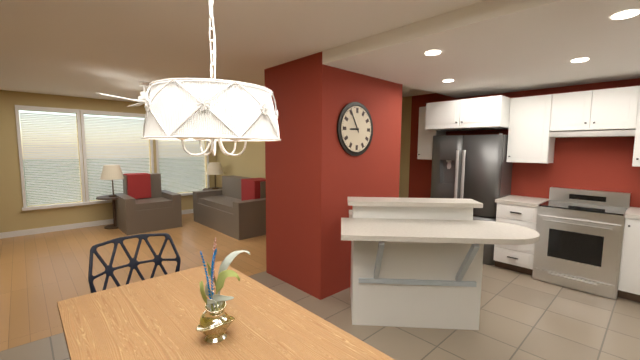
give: {"hour": 8, "minute": 55}
